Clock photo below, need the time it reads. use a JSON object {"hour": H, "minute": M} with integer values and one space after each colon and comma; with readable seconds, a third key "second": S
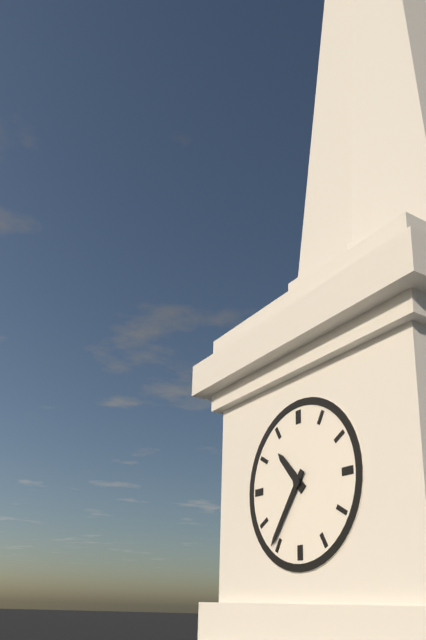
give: {"hour": 10, "minute": 36}
